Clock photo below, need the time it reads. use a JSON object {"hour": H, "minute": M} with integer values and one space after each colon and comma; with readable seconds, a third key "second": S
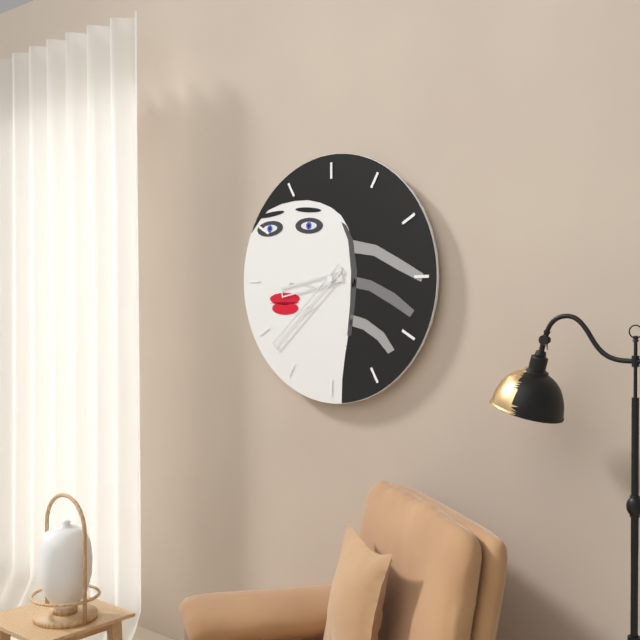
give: {"hour": 8, "minute": 38}
